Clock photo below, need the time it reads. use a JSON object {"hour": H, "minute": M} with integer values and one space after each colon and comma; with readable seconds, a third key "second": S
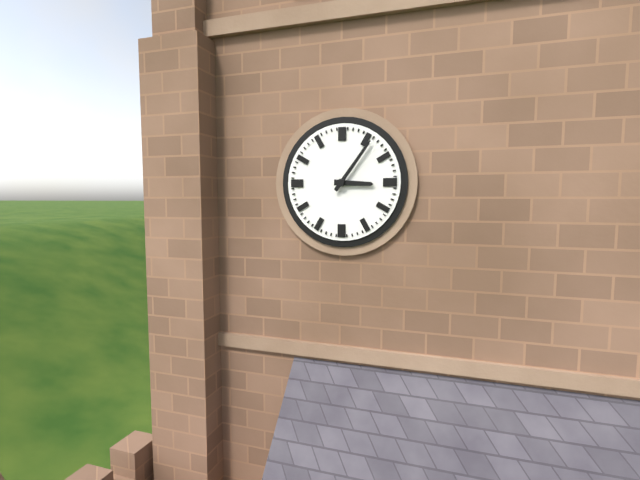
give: {"hour": 3, "minute": 6}
